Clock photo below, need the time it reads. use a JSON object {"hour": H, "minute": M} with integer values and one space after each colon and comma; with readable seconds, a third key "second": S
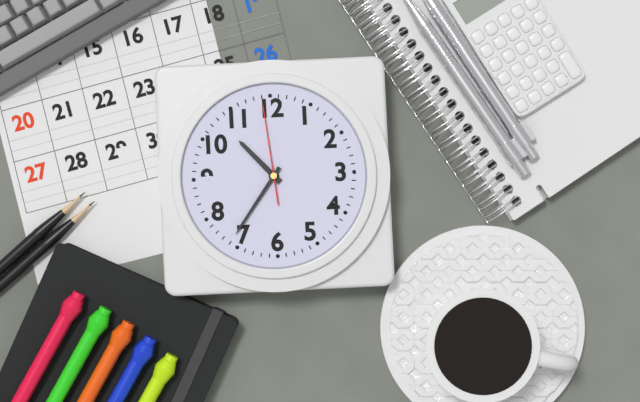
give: {"hour": 10, "minute": 36, "second": 59}
